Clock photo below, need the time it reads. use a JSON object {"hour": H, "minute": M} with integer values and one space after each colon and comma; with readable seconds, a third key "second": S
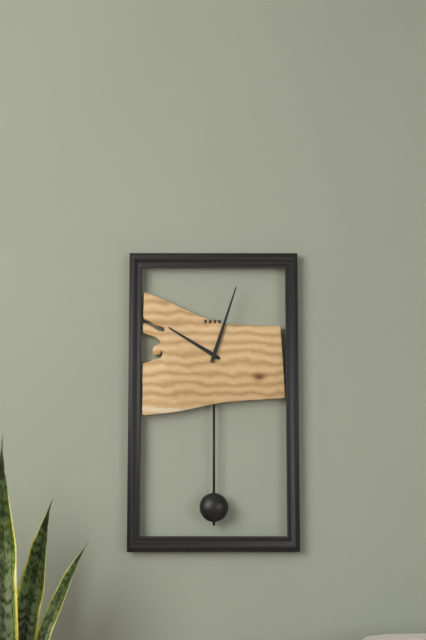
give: {"hour": 10, "minute": 3}
